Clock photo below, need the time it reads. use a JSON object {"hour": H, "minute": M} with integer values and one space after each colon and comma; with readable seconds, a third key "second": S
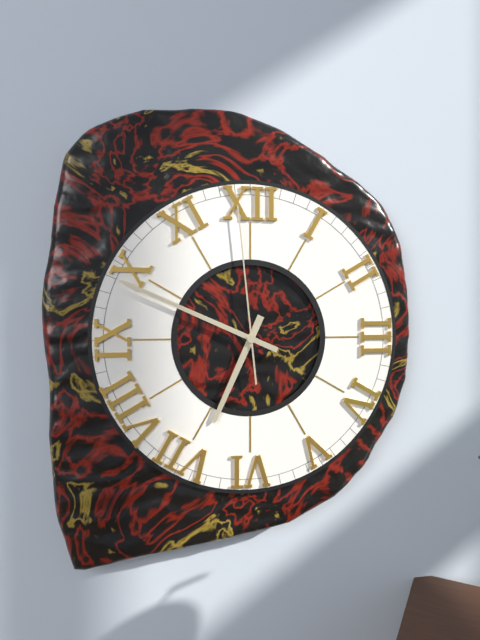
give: {"hour": 6, "minute": 49, "second": 59}
